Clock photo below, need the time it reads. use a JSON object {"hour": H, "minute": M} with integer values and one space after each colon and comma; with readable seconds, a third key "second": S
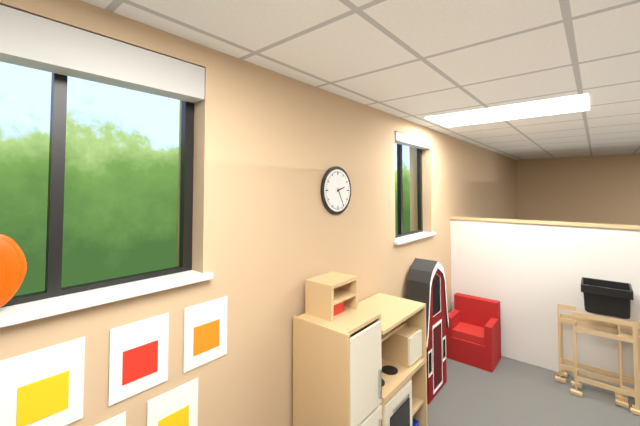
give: {"hour": 2, "minute": 25}
